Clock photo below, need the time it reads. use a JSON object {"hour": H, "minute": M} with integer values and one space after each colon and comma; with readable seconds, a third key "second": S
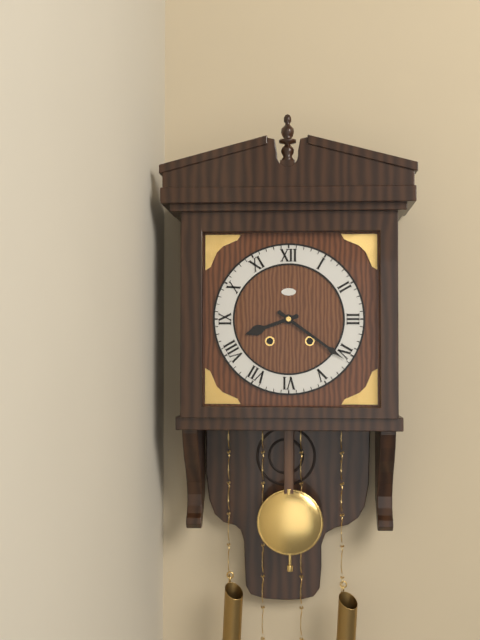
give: {"hour": 8, "minute": 21}
